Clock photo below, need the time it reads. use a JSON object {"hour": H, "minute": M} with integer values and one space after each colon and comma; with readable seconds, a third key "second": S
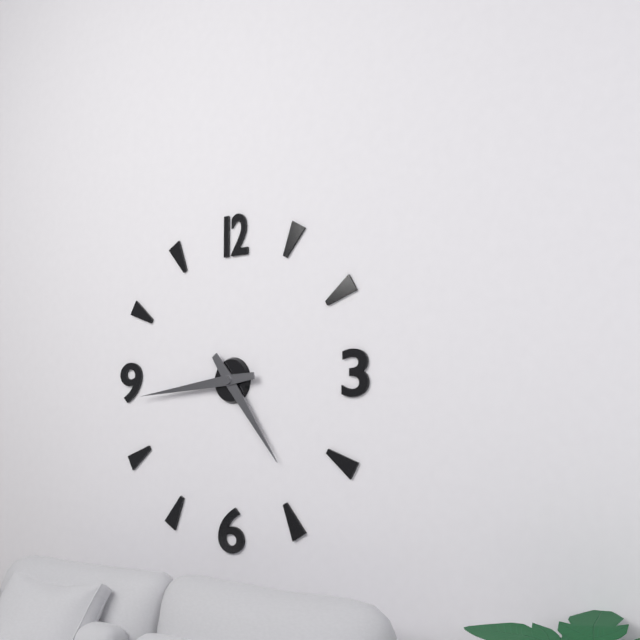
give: {"hour": 4, "minute": 44}
